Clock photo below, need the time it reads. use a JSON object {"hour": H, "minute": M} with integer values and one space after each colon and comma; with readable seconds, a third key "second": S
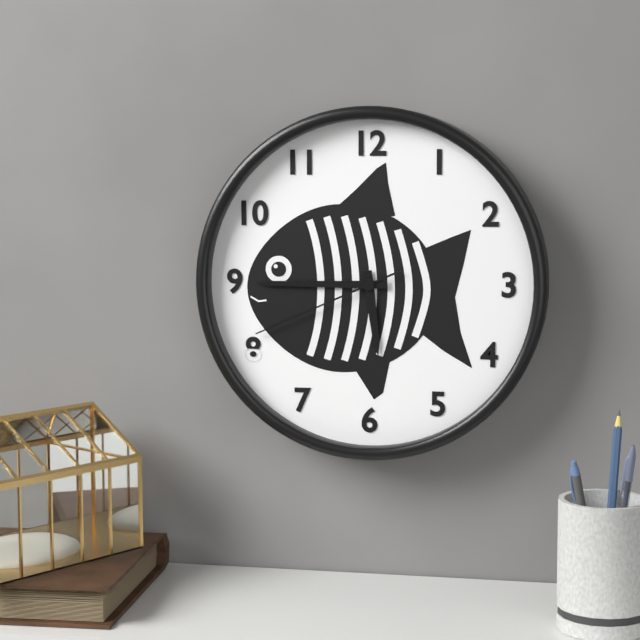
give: {"hour": 5, "minute": 45, "second": 41}
